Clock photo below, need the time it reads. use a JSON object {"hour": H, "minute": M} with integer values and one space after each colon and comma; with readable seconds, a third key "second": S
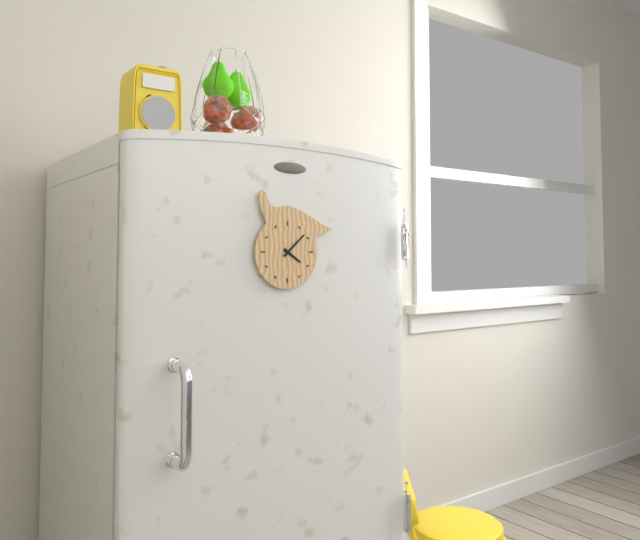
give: {"hour": 4, "minute": 8}
